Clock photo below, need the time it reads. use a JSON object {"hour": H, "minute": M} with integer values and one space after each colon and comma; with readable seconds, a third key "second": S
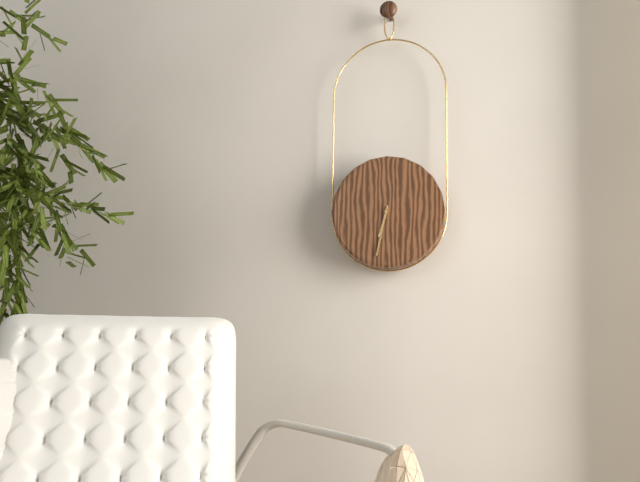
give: {"hour": 6, "minute": 32}
